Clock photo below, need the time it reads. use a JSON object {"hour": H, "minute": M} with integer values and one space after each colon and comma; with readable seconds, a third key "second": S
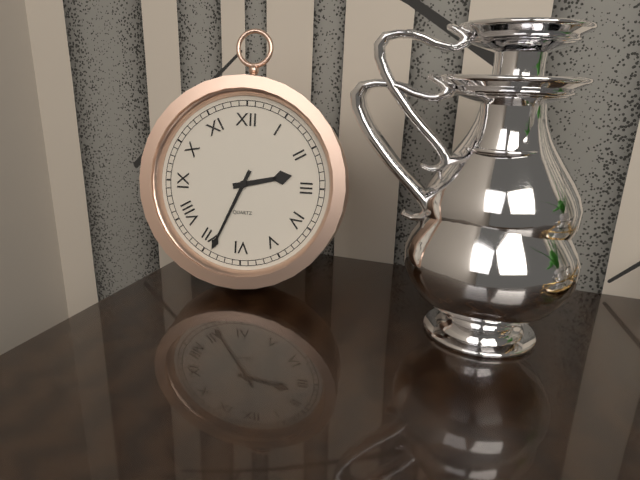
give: {"hour": 2, "minute": 34}
